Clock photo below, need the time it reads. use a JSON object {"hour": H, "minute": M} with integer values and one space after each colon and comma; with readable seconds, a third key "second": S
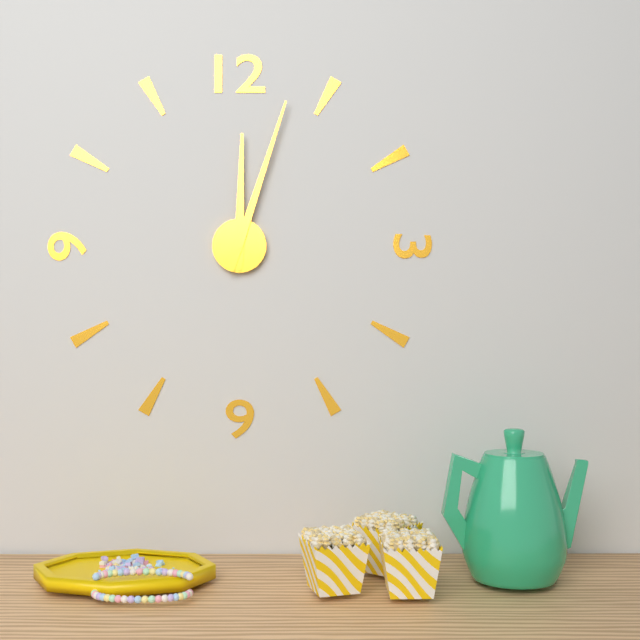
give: {"hour": 12, "minute": 3}
